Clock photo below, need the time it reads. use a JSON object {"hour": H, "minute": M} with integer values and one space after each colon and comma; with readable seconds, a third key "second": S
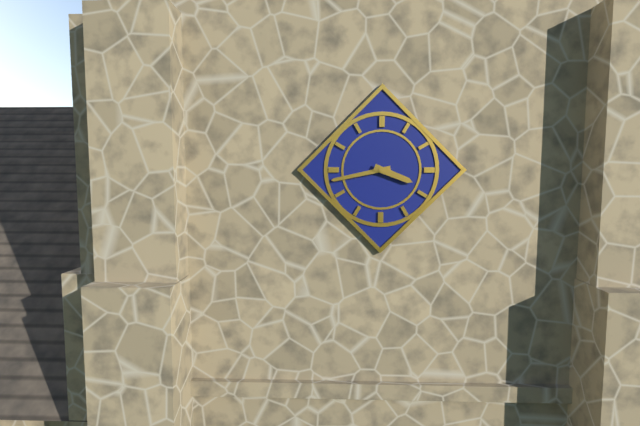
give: {"hour": 3, "minute": 43}
